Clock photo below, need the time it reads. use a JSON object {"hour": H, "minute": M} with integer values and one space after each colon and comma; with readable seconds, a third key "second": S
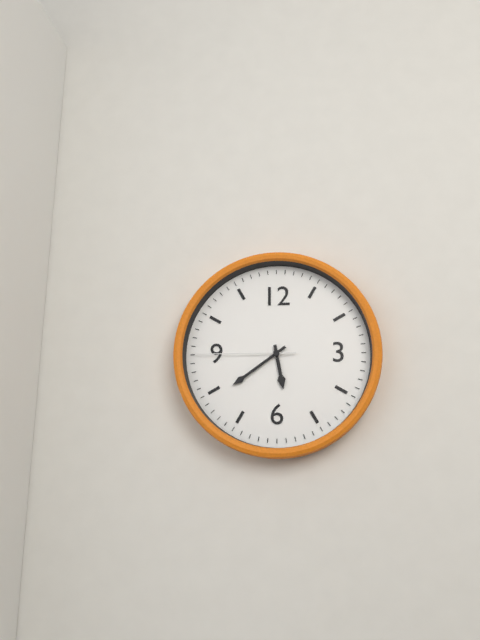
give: {"hour": 5, "minute": 39, "second": 45}
